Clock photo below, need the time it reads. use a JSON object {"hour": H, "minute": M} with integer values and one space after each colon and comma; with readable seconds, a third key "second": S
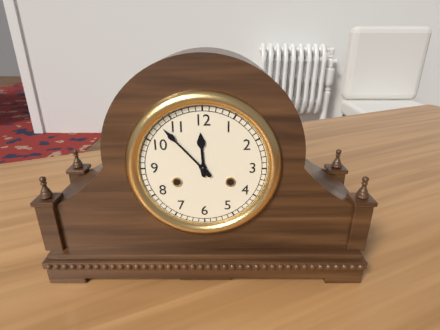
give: {"hour": 11, "minute": 53}
